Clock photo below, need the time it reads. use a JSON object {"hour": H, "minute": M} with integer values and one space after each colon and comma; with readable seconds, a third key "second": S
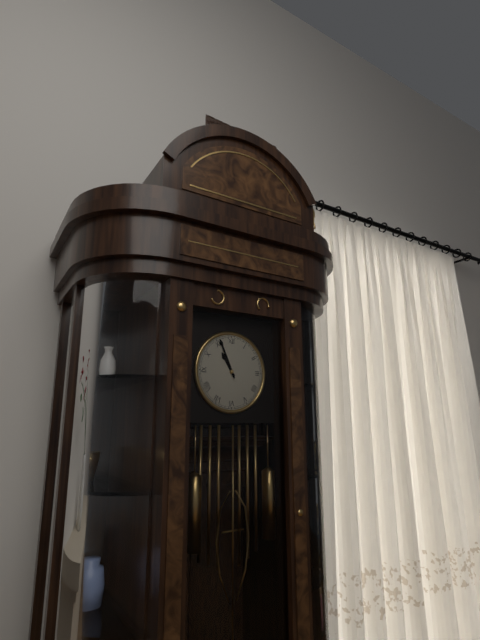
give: {"hour": 10, "minute": 56}
